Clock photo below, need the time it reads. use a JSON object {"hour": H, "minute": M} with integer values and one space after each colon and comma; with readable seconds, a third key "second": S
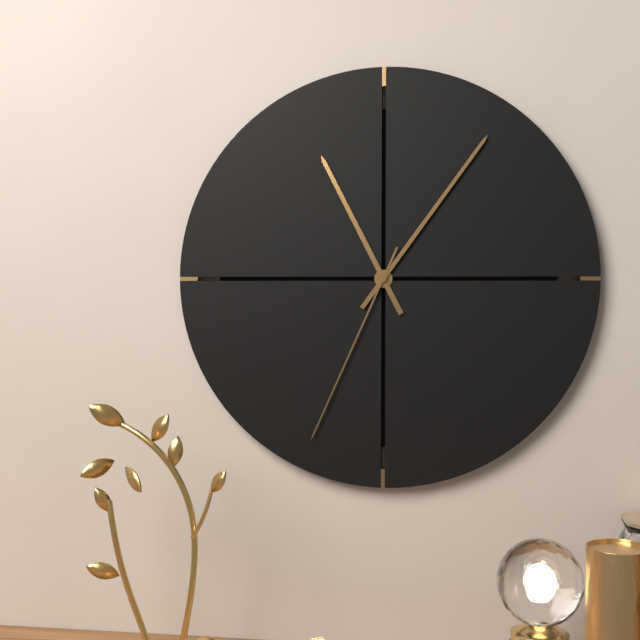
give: {"hour": 11, "minute": 6, "second": 34}
